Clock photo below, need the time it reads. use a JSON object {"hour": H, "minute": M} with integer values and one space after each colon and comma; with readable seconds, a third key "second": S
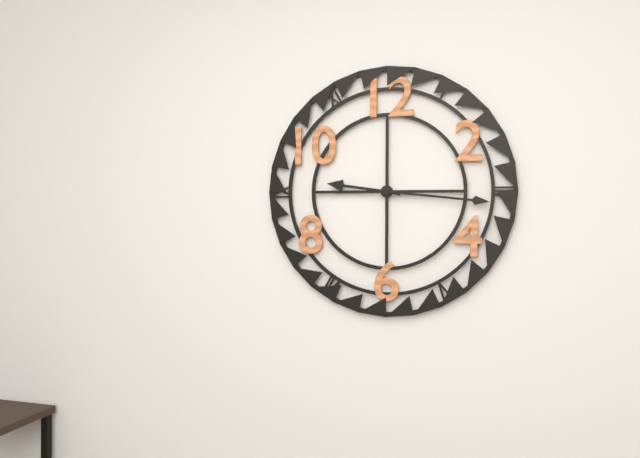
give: {"hour": 9, "minute": 16}
